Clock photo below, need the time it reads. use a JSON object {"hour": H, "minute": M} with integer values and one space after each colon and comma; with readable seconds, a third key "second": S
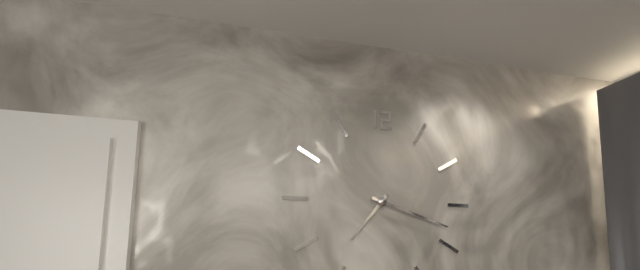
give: {"hour": 7, "minute": 18}
